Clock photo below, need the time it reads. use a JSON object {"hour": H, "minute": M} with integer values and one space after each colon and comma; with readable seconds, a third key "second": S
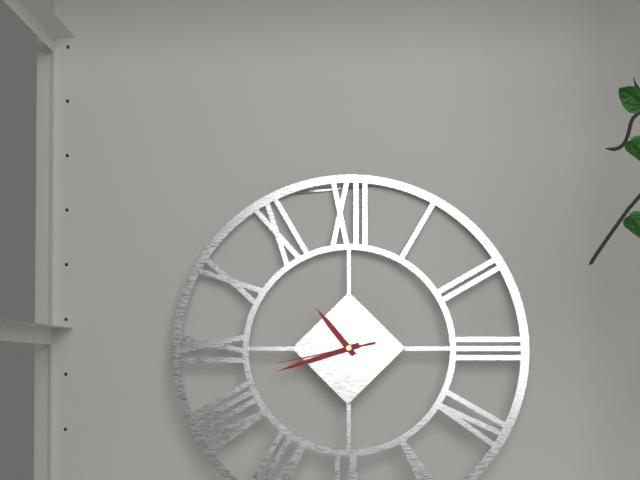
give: {"hour": 10, "minute": 42, "second": 43}
